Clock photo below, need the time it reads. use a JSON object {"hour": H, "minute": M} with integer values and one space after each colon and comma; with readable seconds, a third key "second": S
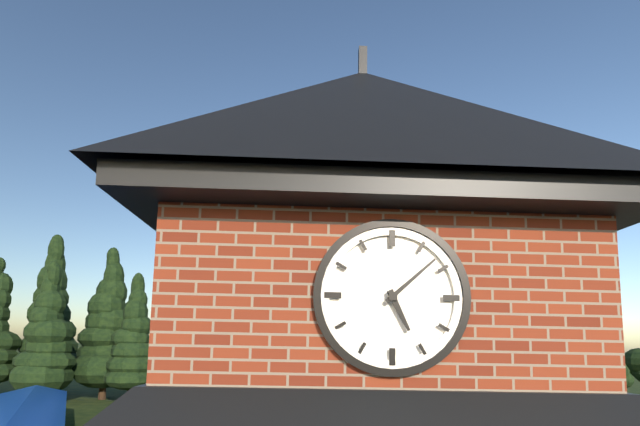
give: {"hour": 5, "minute": 8}
